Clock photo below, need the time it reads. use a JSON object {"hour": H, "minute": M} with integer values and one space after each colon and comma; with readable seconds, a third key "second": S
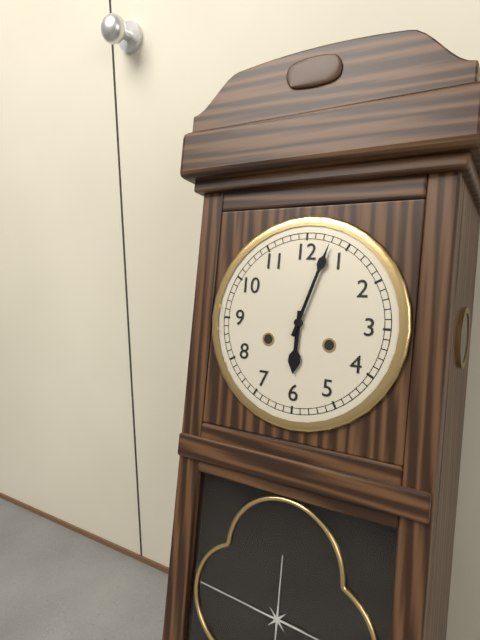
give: {"hour": 6, "minute": 3}
